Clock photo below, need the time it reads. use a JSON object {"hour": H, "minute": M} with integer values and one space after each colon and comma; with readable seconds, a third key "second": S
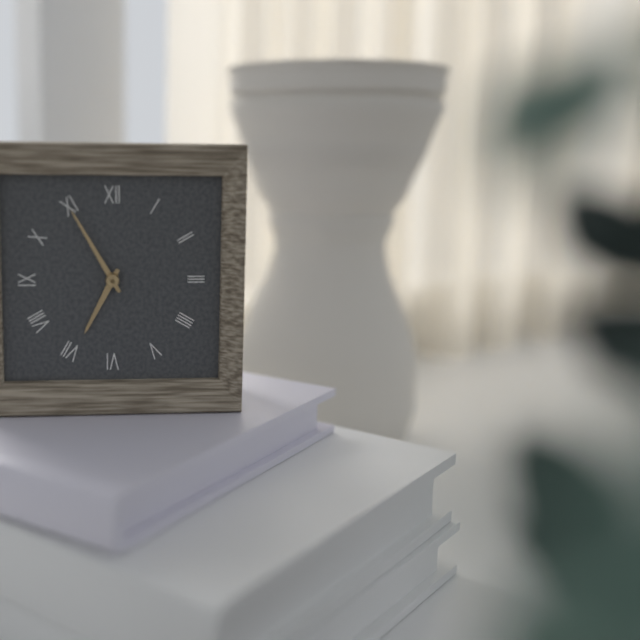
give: {"hour": 6, "minute": 55}
